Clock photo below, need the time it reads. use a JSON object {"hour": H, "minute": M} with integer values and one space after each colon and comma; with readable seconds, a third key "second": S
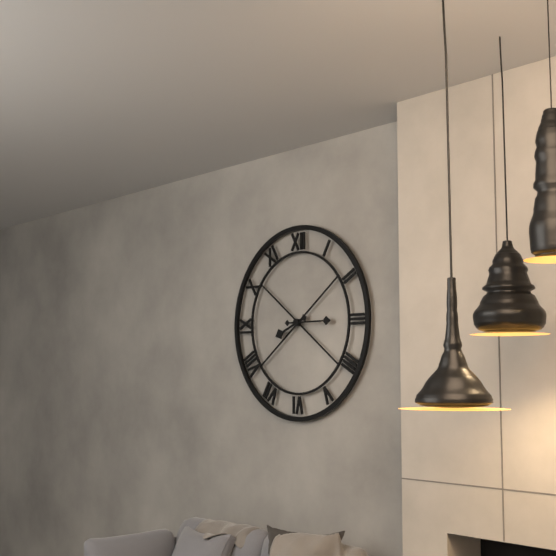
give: {"hour": 8, "minute": 15}
